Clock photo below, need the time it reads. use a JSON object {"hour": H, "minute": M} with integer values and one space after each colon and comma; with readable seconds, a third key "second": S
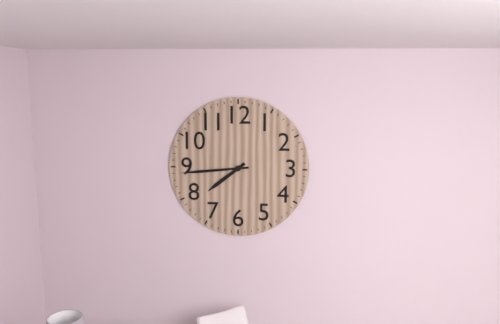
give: {"hour": 7, "minute": 44}
